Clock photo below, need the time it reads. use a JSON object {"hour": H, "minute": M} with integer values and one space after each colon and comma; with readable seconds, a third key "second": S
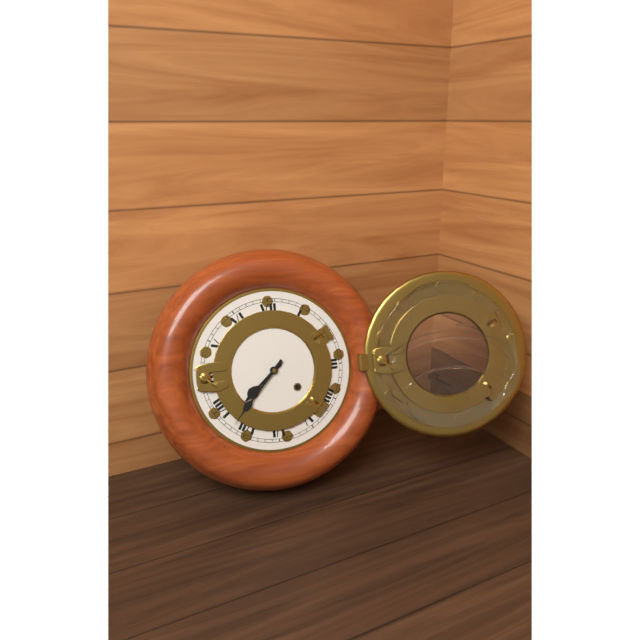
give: {"hour": 7, "minute": 37}
